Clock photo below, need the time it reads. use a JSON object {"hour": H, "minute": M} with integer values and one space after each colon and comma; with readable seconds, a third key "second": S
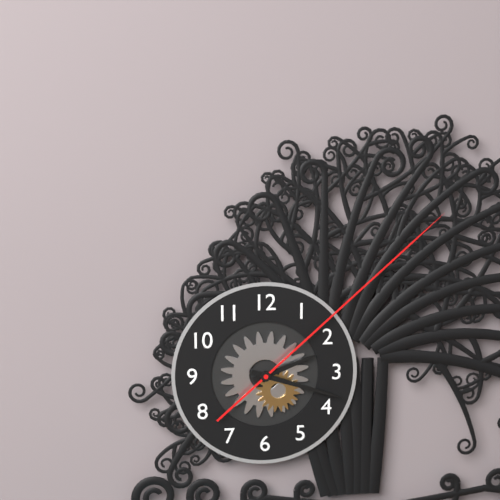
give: {"hour": 2, "minute": 18, "second": 8}
